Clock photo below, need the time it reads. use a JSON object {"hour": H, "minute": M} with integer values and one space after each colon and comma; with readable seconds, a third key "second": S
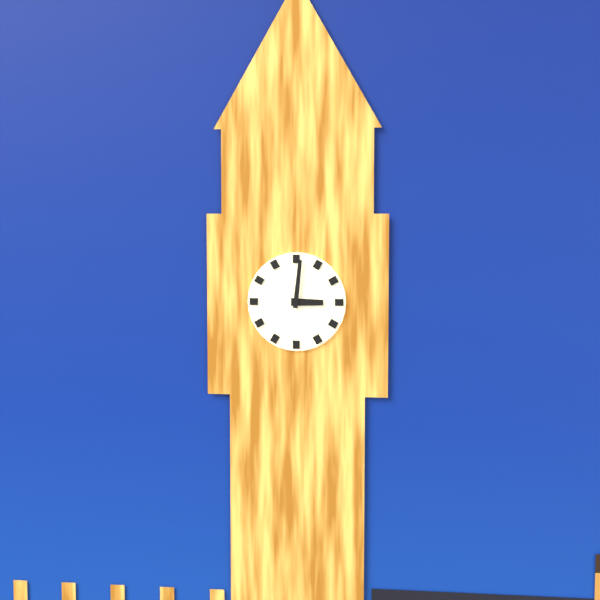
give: {"hour": 3, "minute": 1}
